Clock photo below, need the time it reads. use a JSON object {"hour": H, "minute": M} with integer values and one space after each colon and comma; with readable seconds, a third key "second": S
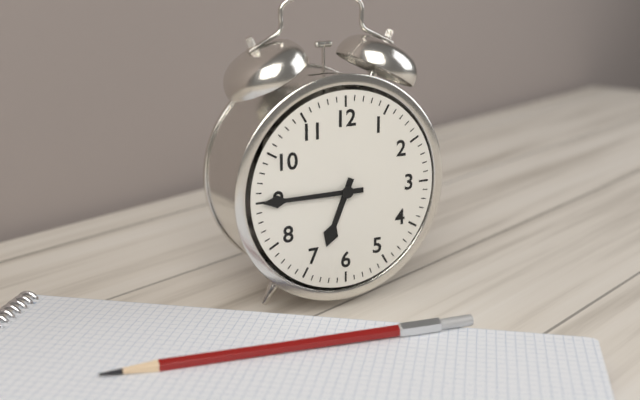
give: {"hour": 6, "minute": 45}
